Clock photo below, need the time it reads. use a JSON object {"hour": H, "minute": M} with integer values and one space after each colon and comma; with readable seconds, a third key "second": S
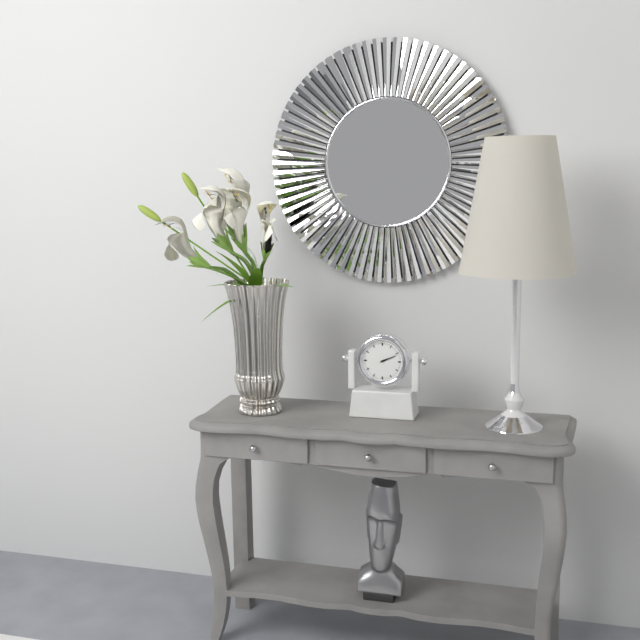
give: {"hour": 2, "minute": 11}
